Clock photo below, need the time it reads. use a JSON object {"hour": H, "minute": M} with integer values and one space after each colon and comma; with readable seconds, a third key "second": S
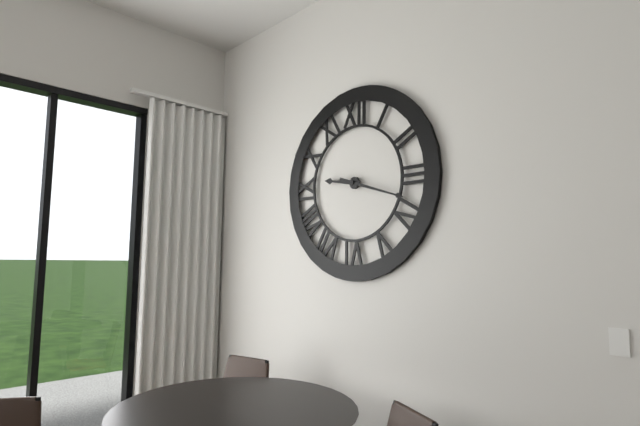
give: {"hour": 9, "minute": 18}
